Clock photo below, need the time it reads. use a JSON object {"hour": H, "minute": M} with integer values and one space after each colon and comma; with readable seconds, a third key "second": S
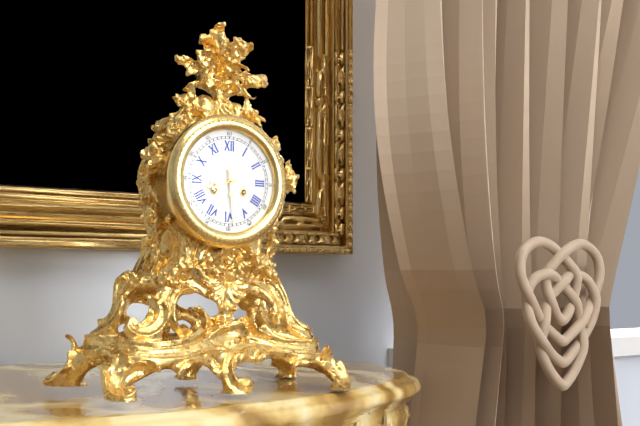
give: {"hour": 8, "minute": 29}
